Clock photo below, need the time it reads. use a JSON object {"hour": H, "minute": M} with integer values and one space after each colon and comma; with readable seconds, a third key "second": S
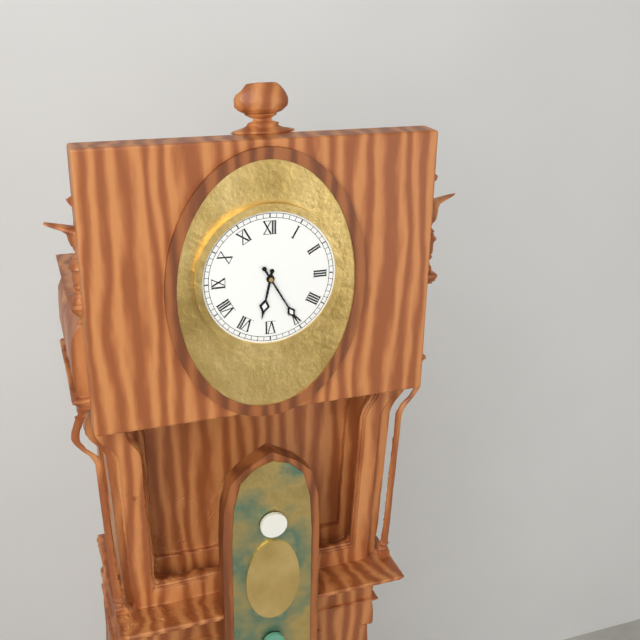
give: {"hour": 6, "minute": 25}
